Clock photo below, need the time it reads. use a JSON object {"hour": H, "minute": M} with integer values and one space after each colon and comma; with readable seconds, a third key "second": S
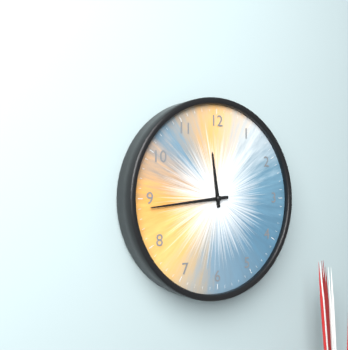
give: {"hour": 11, "minute": 44}
